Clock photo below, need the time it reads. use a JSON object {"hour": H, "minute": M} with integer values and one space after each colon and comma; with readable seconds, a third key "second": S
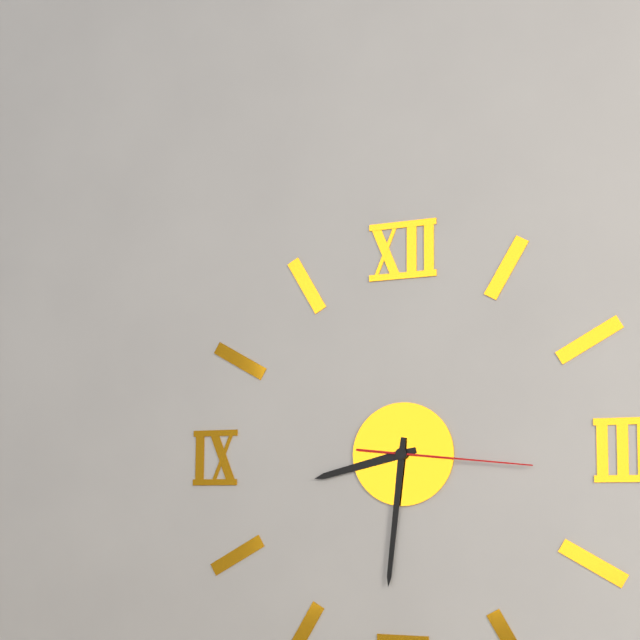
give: {"hour": 8, "minute": 31, "second": 16}
